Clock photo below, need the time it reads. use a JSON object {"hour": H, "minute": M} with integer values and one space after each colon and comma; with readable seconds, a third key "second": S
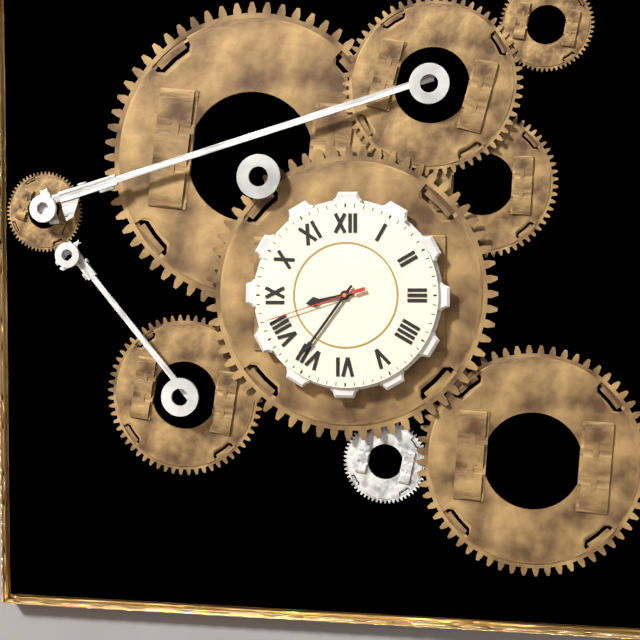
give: {"hour": 8, "minute": 36, "second": 42}
